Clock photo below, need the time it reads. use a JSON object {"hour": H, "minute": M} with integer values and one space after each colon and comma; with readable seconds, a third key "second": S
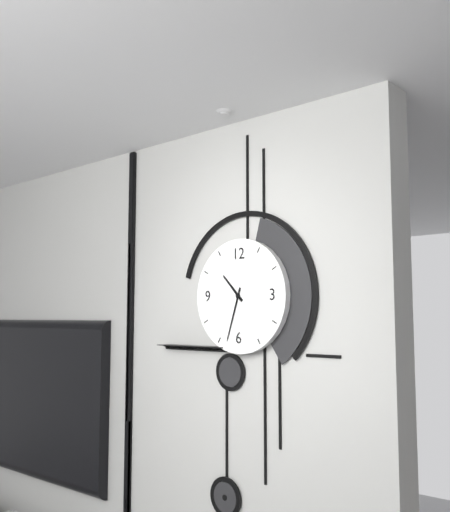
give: {"hour": 10, "minute": 33}
